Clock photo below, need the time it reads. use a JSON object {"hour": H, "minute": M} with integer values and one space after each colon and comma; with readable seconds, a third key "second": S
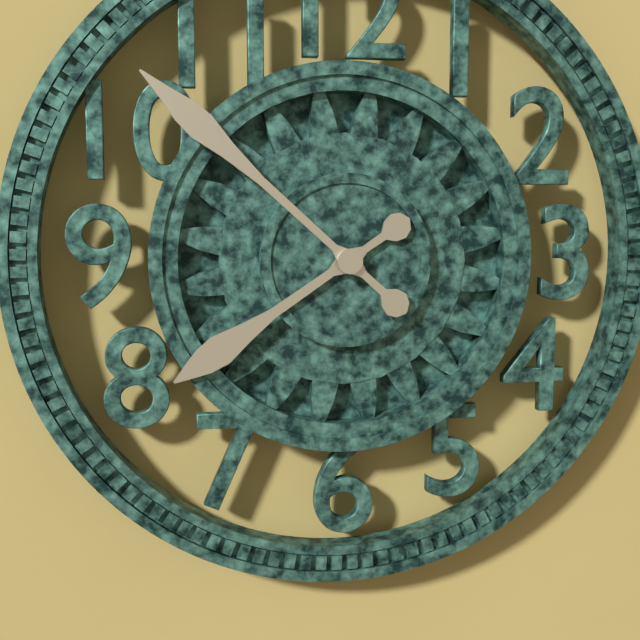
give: {"hour": 7, "minute": 52}
